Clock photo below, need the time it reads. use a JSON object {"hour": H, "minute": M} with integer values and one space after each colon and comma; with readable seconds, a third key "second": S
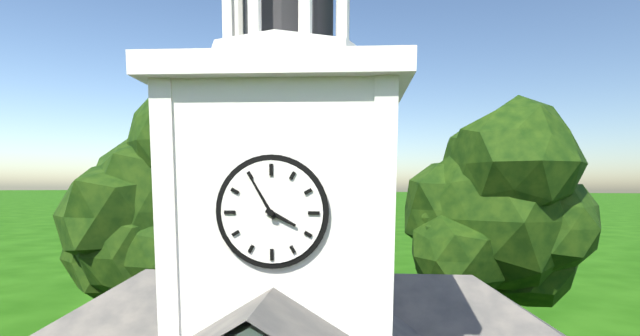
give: {"hour": 3, "minute": 55}
